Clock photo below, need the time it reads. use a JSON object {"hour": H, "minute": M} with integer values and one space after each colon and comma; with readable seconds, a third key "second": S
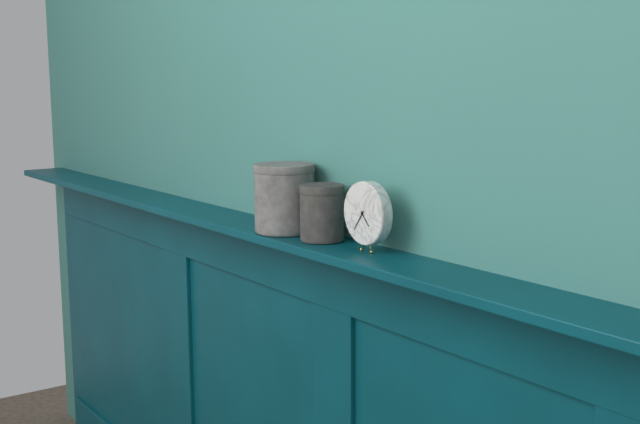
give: {"hour": 4, "minute": 36}
